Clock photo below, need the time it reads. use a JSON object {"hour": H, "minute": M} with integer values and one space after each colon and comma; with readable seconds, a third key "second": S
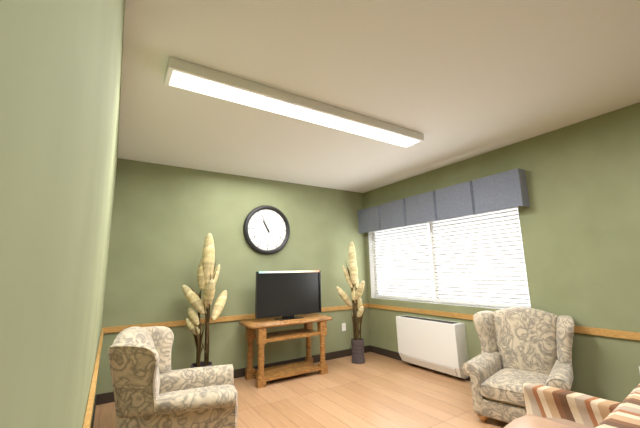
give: {"hour": 10, "minute": 56}
